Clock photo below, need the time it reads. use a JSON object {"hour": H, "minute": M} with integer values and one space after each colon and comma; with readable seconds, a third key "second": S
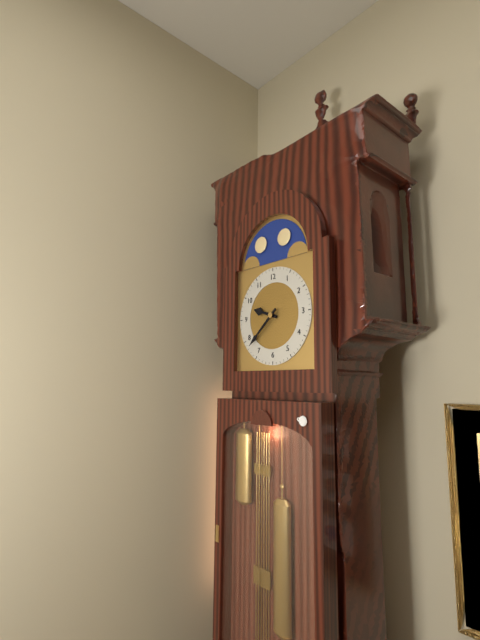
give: {"hour": 9, "minute": 38}
